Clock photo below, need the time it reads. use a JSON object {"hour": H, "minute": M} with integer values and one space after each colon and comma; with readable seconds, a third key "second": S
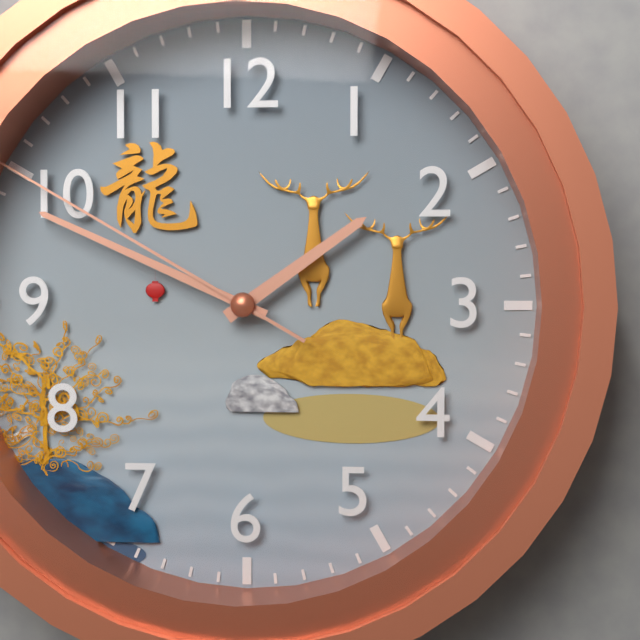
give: {"hour": 1, "minute": 49}
